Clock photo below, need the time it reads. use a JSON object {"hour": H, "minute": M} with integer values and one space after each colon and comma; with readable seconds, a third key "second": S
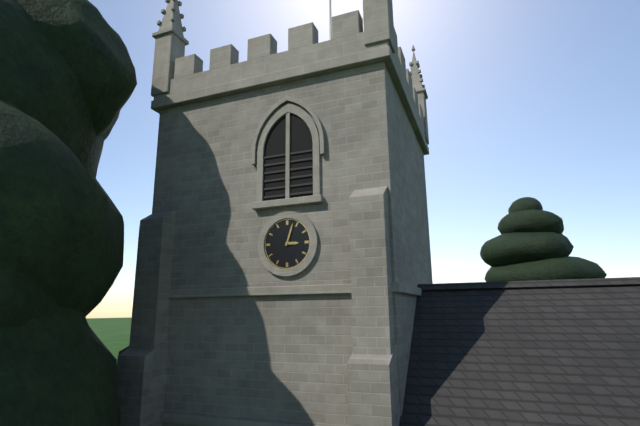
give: {"hour": 3, "minute": 3}
